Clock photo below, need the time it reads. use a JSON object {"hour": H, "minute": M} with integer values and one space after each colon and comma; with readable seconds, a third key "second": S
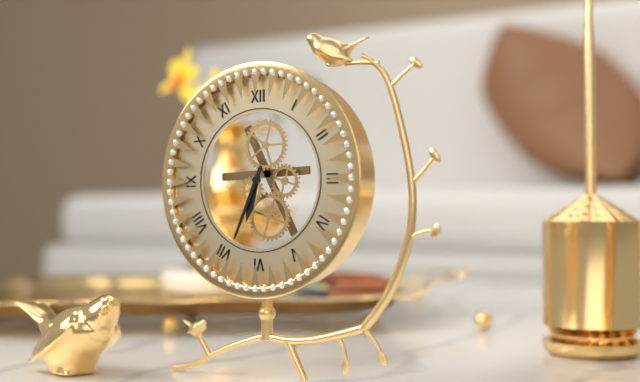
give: {"hour": 6, "minute": 34}
